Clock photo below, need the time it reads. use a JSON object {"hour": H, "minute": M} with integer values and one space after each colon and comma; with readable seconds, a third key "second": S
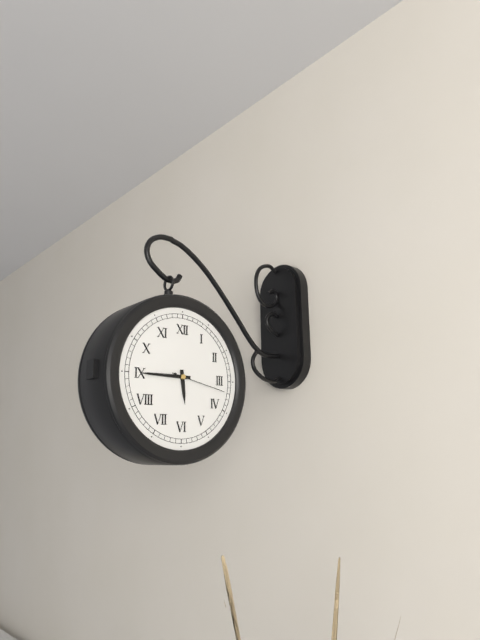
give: {"hour": 5, "minute": 45, "second": 17}
